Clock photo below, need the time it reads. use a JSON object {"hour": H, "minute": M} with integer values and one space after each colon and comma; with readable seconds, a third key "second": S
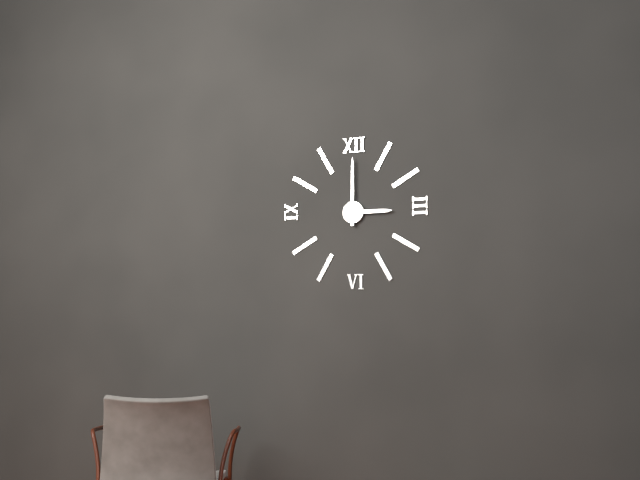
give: {"hour": 3, "minute": 0}
